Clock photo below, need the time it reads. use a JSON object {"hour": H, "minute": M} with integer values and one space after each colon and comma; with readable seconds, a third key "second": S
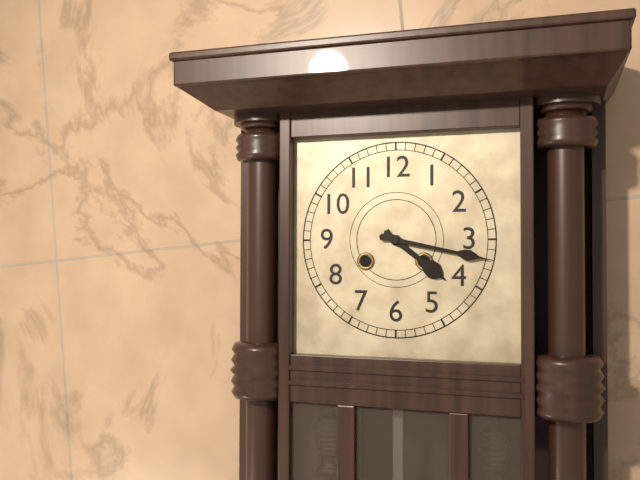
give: {"hour": 4, "minute": 17}
